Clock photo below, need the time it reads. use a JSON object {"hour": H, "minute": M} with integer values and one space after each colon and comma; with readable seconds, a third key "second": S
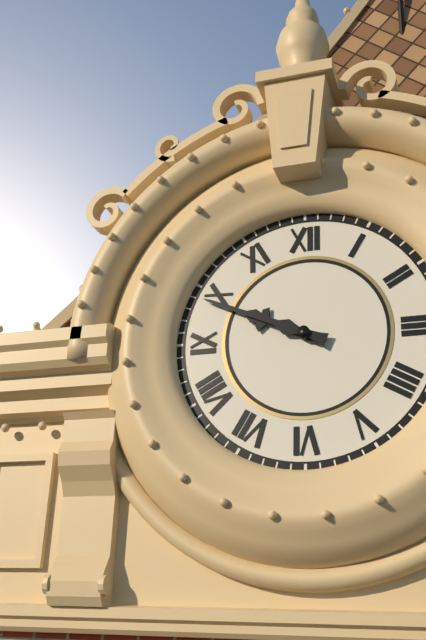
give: {"hour": 9, "minute": 49}
